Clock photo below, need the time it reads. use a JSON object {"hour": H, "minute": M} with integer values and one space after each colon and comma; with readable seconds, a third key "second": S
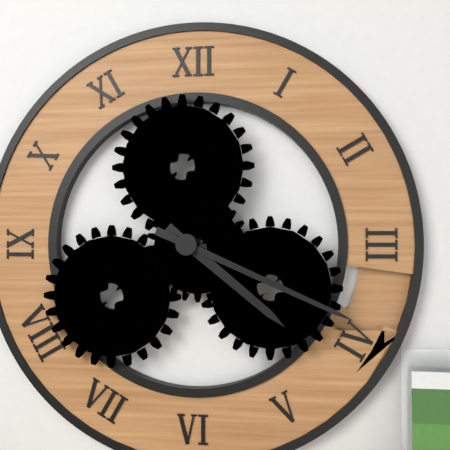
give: {"hour": 4, "minute": 19}
